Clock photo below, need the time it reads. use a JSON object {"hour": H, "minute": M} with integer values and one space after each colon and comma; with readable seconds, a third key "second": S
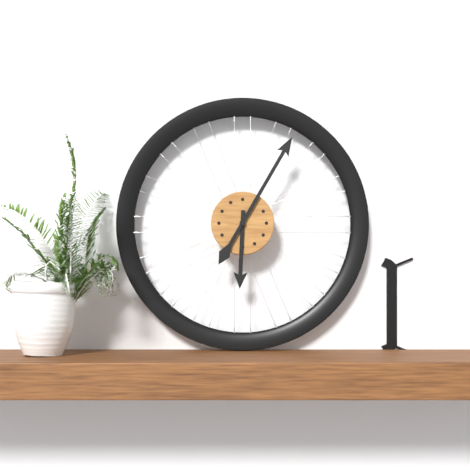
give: {"hour": 6, "minute": 5}
